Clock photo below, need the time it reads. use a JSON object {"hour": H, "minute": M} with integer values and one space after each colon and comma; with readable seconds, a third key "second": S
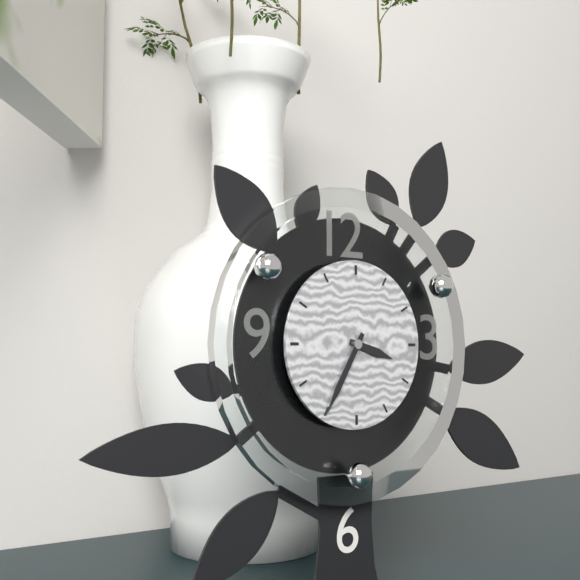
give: {"hour": 3, "minute": 35}
